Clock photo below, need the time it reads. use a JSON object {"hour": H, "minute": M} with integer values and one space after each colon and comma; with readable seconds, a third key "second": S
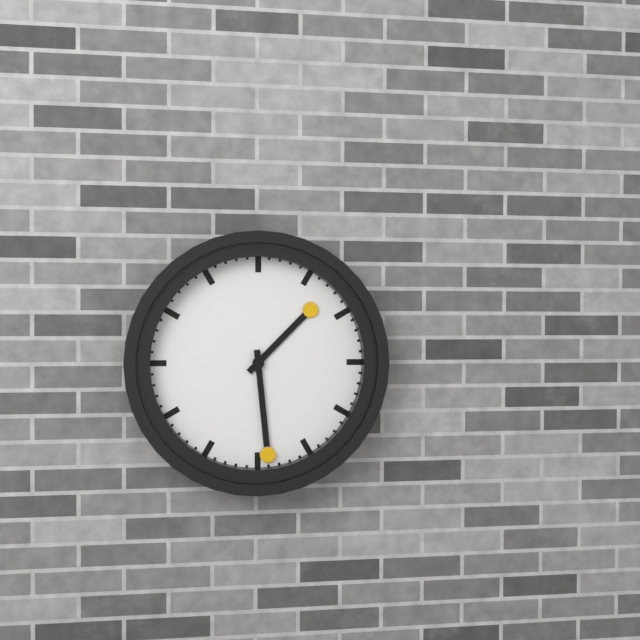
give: {"hour": 1, "minute": 29}
